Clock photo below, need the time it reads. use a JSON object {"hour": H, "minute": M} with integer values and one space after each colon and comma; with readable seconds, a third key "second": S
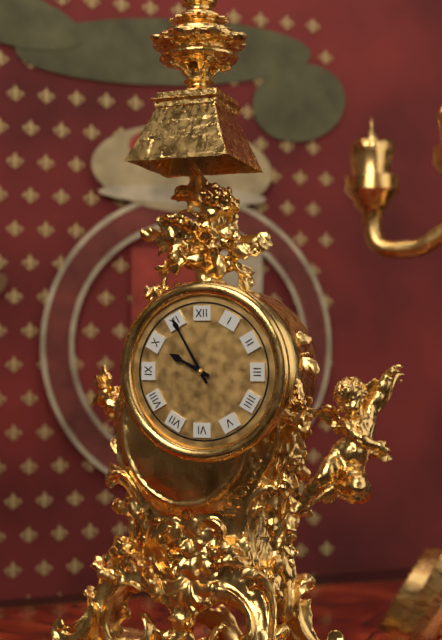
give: {"hour": 9, "minute": 55}
